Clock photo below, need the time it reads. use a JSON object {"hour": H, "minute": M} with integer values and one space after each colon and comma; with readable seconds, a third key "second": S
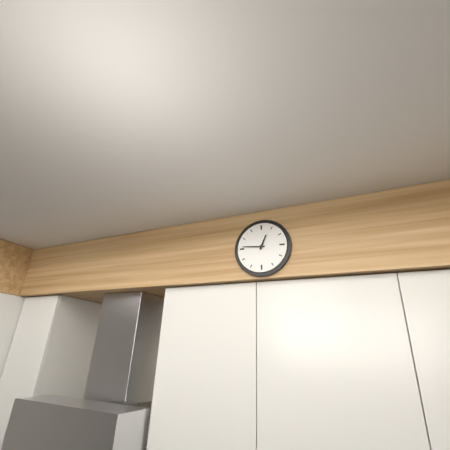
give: {"hour": 12, "minute": 46}
